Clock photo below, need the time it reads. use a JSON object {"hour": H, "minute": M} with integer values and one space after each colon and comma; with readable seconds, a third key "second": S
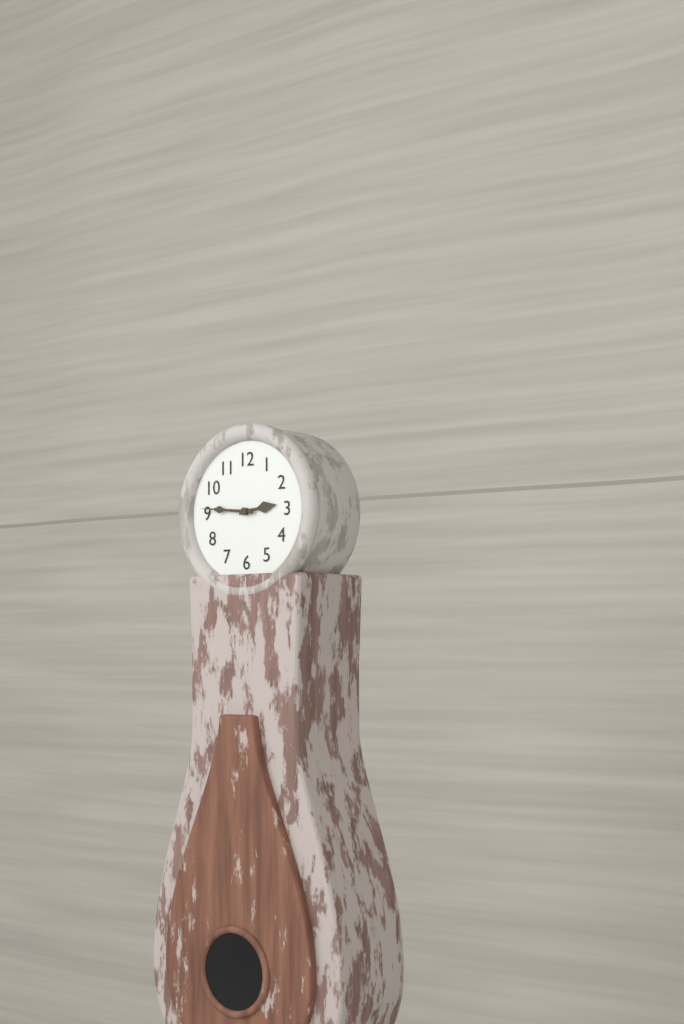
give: {"hour": 2, "minute": 46}
